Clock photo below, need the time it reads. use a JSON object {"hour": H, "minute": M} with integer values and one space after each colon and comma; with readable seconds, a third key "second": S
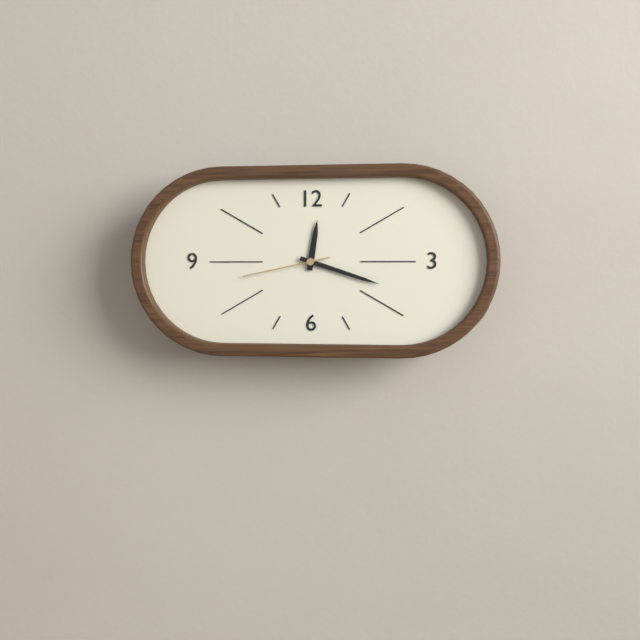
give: {"hour": 12, "minute": 18, "second": 43}
